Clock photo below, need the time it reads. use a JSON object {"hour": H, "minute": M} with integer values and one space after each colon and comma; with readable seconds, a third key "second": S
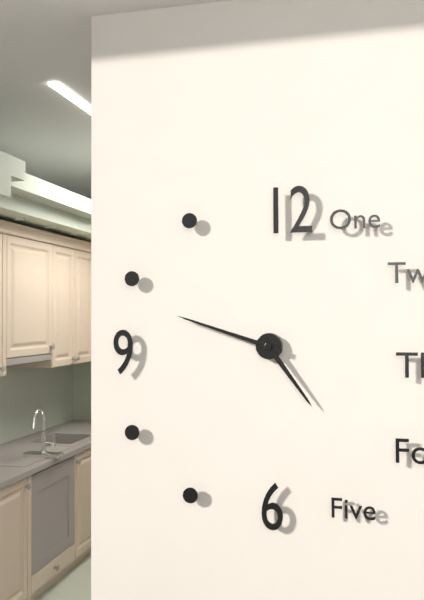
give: {"hour": 4, "minute": 48}
